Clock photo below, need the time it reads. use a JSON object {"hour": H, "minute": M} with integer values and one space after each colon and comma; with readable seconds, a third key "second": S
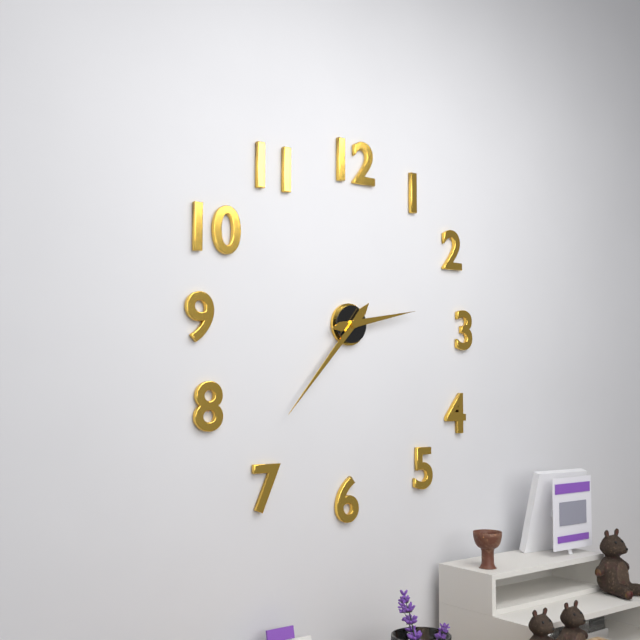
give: {"hour": 2, "minute": 37}
